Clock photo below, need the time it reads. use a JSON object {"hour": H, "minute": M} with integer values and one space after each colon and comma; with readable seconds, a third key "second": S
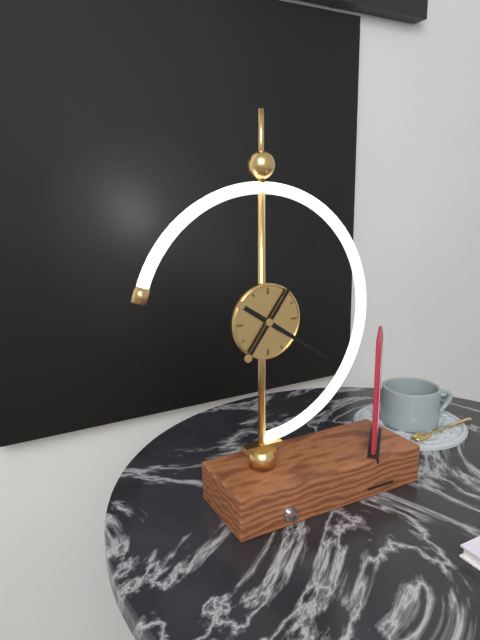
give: {"hour": 4, "minute": 6}
